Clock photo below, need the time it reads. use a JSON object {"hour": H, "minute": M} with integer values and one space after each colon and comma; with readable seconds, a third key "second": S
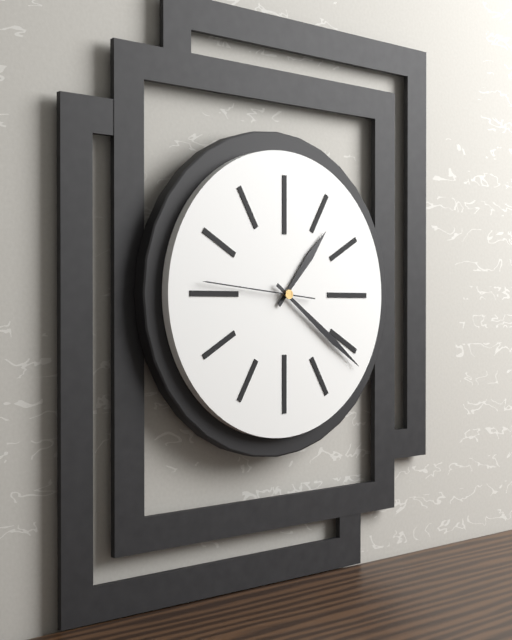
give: {"hour": 1, "minute": 21, "second": 46}
